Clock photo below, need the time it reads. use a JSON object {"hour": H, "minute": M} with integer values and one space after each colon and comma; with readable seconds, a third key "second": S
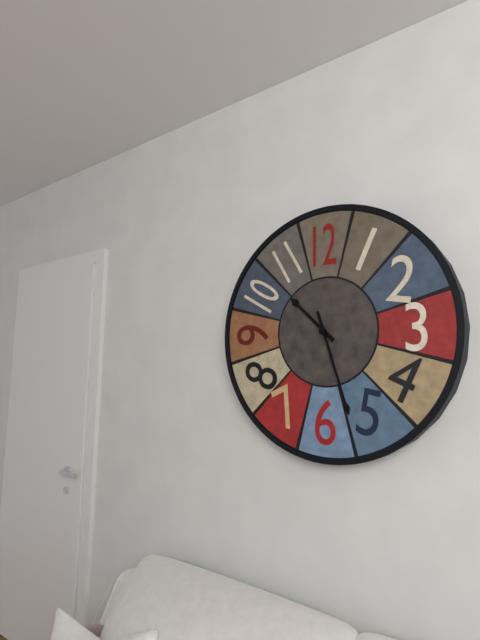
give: {"hour": 10, "minute": 27}
